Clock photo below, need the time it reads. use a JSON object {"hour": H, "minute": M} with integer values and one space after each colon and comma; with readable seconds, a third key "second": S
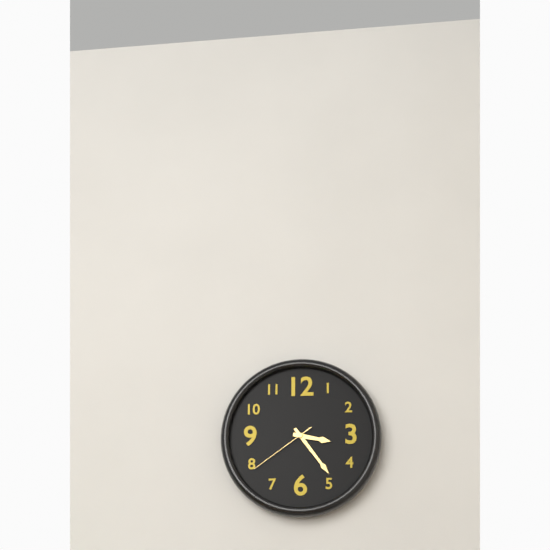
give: {"hour": 3, "minute": 24, "second": 39}
